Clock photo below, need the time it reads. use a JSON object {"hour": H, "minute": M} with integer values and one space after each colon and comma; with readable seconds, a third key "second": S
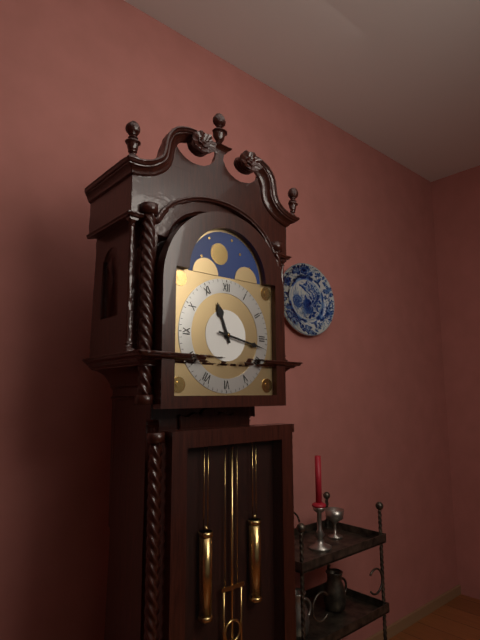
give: {"hour": 11, "minute": 17}
